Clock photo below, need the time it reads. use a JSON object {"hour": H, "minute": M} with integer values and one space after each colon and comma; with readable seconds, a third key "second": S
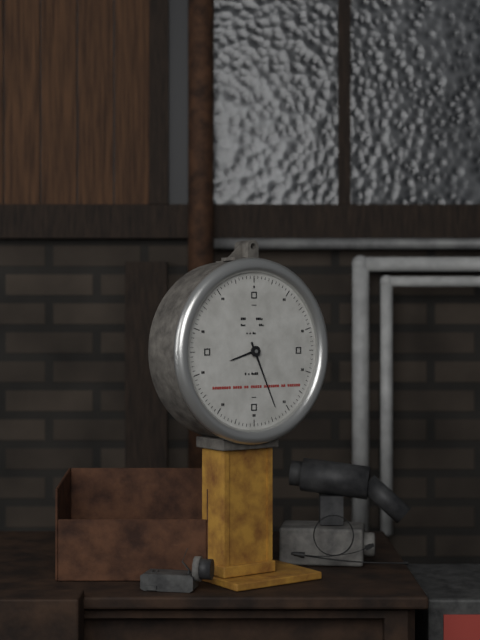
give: {"hour": 8, "minute": 26}
